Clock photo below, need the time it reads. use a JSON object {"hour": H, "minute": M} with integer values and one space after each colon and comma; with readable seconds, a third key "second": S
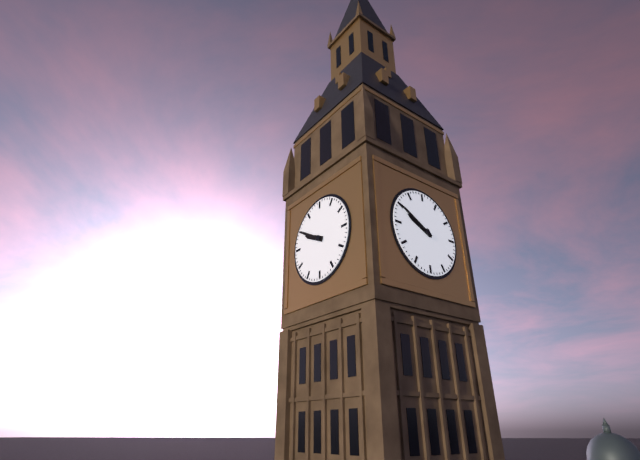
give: {"hour": 9, "minute": 50}
